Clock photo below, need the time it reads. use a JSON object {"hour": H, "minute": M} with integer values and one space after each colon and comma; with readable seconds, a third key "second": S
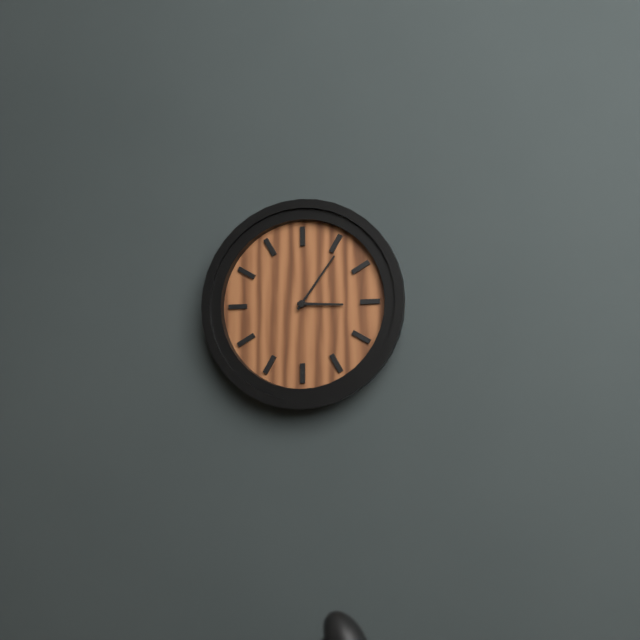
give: {"hour": 3, "minute": 6}
